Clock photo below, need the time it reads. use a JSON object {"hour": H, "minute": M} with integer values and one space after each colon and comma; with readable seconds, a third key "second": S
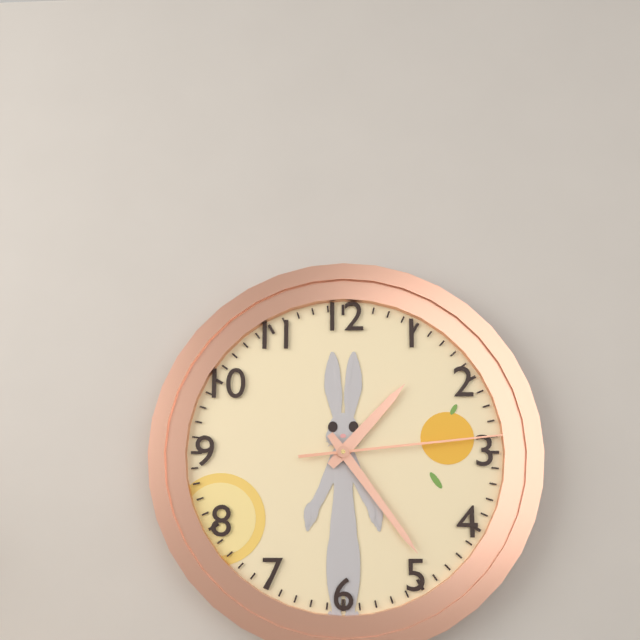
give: {"hour": 1, "minute": 24, "second": 14}
